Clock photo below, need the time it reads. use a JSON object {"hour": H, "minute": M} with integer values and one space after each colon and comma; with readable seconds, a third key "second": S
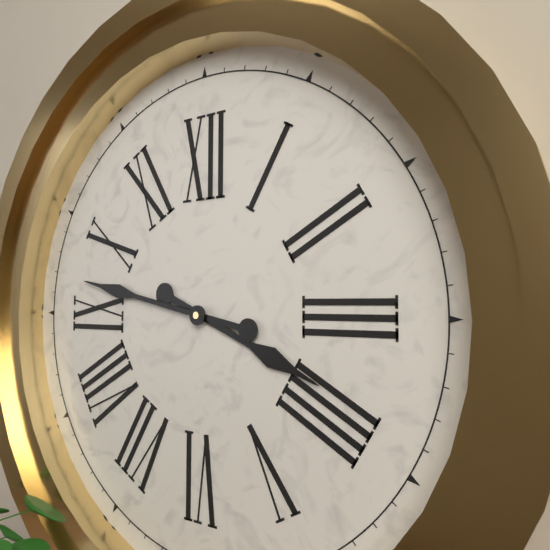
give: {"hour": 3, "minute": 47}
